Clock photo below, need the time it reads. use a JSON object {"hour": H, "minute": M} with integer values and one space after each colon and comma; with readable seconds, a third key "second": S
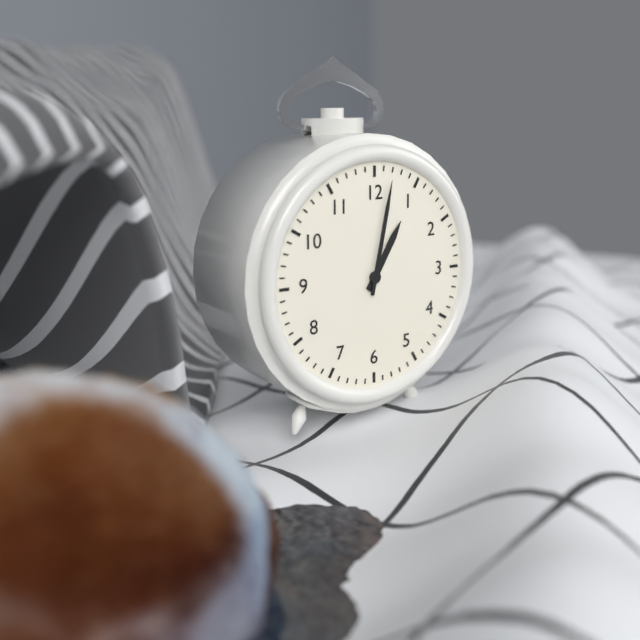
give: {"hour": 1, "minute": 2}
